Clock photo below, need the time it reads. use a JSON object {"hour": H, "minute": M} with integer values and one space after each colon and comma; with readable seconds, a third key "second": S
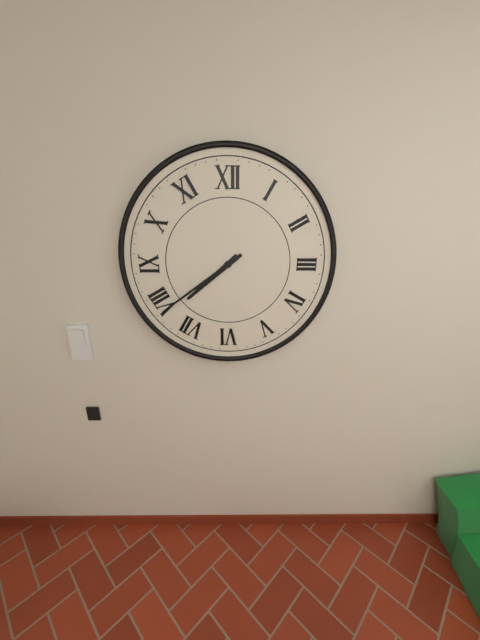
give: {"hour": 7, "minute": 39}
